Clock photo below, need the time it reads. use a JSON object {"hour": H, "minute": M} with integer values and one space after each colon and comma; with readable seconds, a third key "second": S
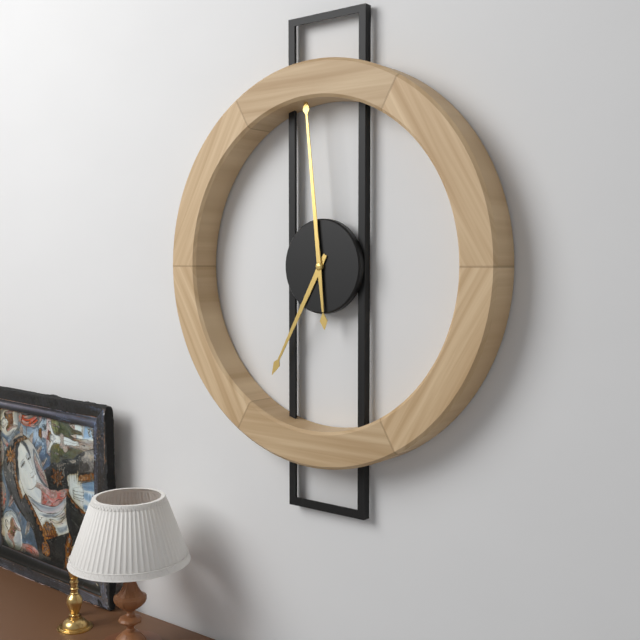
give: {"hour": 6, "minute": 59}
